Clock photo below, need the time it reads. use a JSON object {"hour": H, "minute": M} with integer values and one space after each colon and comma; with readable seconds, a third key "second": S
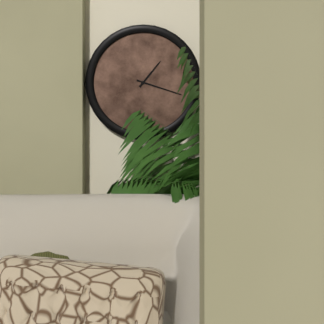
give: {"hour": 1, "minute": 18}
